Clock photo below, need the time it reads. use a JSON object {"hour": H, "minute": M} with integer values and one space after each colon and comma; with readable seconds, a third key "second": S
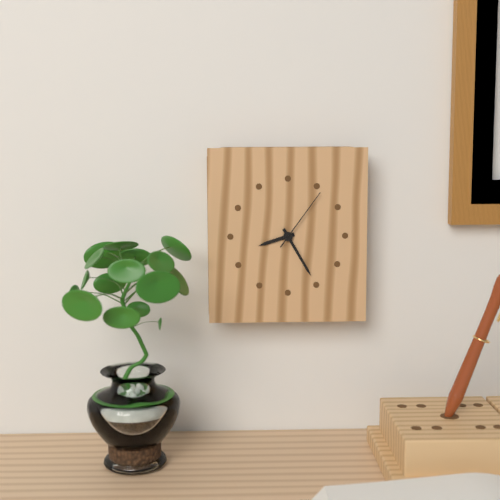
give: {"hour": 8, "minute": 25, "second": 6}
